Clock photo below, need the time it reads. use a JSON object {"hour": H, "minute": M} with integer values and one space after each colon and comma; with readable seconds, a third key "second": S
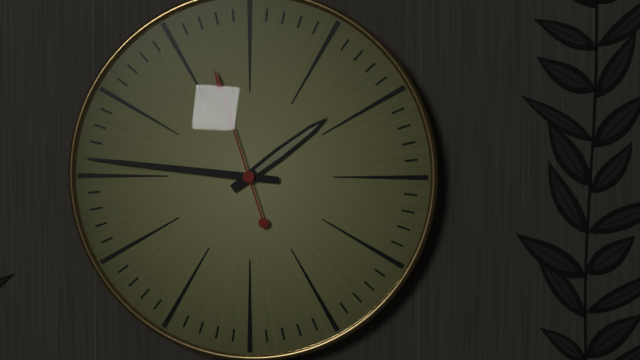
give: {"hour": 1, "minute": 46, "second": 57}
